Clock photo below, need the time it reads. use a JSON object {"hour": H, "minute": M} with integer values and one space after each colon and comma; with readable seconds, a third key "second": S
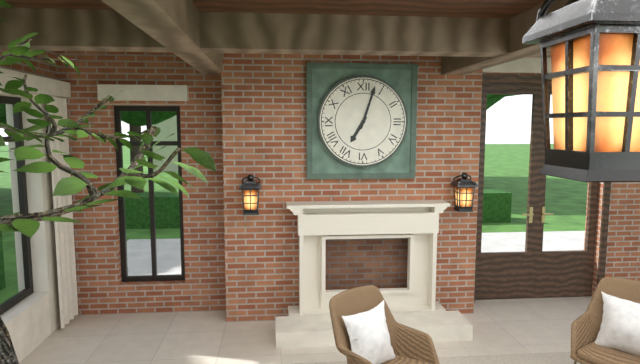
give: {"hour": 7, "minute": 3}
